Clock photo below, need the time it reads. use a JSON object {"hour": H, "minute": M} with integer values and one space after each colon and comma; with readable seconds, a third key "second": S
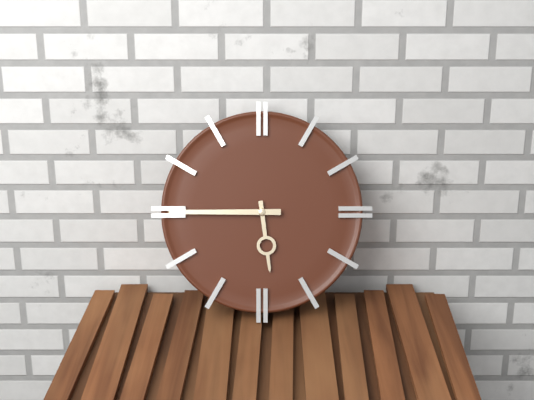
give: {"hour": 5, "minute": 45}
